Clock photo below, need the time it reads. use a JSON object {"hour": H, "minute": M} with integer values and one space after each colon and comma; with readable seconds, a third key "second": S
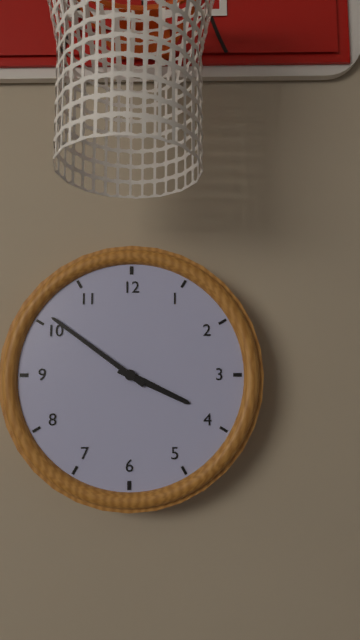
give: {"hour": 3, "minute": 51}
